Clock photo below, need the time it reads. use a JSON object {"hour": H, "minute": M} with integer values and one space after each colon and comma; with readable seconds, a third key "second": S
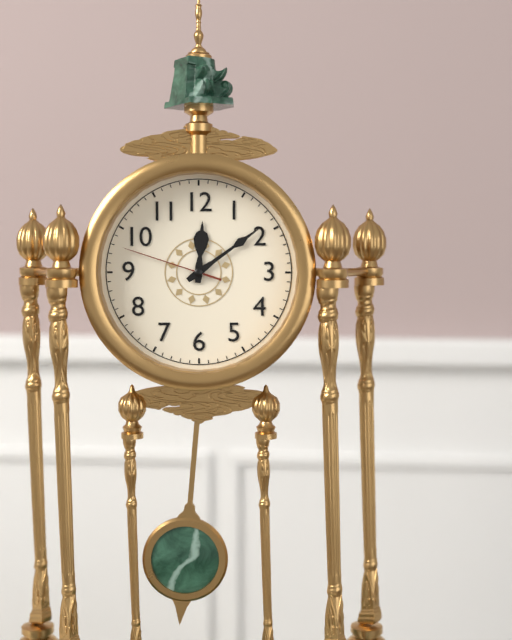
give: {"hour": 12, "minute": 9, "second": 48}
